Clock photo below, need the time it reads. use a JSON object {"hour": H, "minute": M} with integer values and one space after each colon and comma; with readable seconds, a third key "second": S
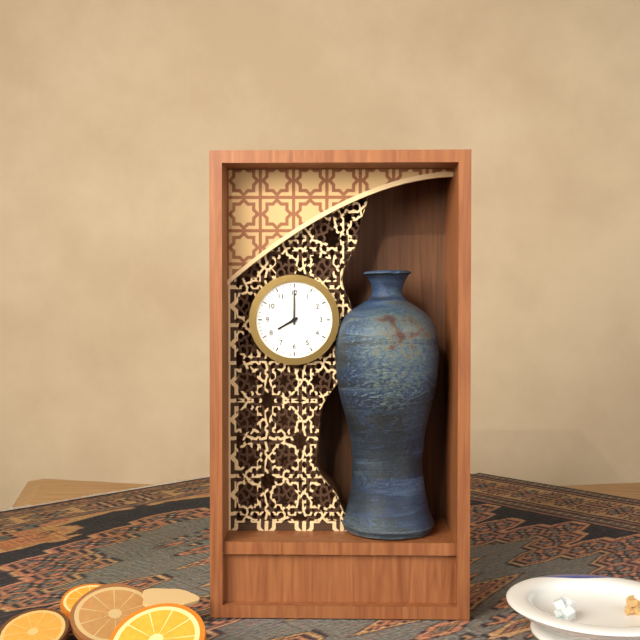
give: {"hour": 8, "minute": 0}
